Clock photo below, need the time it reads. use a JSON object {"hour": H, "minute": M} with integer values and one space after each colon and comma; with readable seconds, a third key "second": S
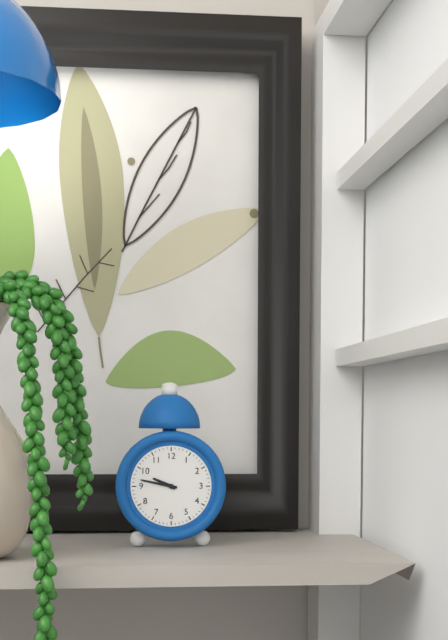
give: {"hour": 9, "minute": 47}
